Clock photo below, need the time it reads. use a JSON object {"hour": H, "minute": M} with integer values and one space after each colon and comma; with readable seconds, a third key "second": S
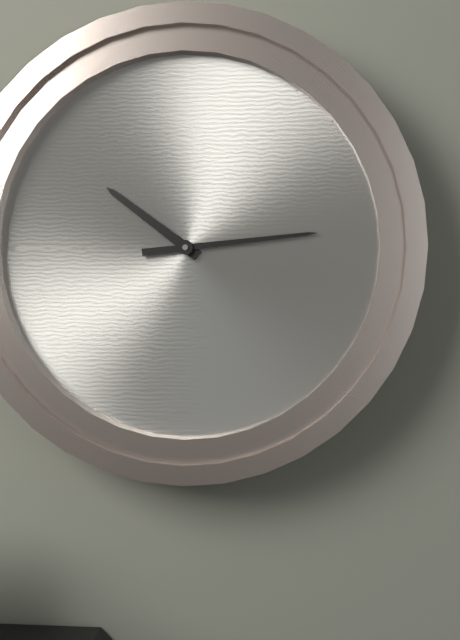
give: {"hour": 10, "minute": 14}
